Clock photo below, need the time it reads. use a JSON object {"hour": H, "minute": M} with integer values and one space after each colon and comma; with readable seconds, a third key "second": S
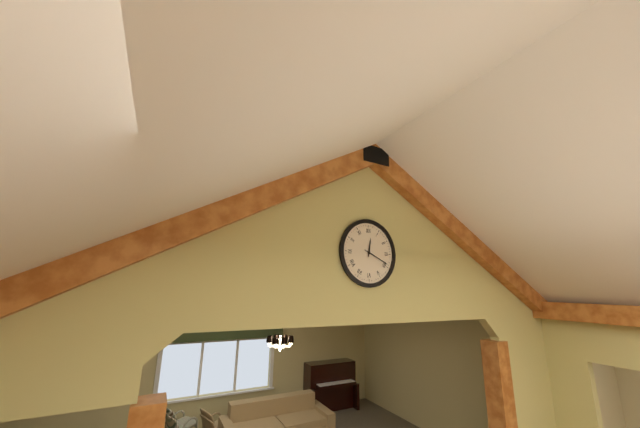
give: {"hour": 12, "minute": 19}
